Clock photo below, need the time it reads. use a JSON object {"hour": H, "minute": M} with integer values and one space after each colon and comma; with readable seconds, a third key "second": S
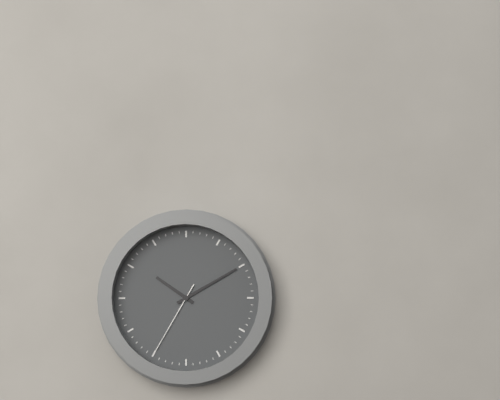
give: {"hour": 10, "minute": 10, "second": 35}
